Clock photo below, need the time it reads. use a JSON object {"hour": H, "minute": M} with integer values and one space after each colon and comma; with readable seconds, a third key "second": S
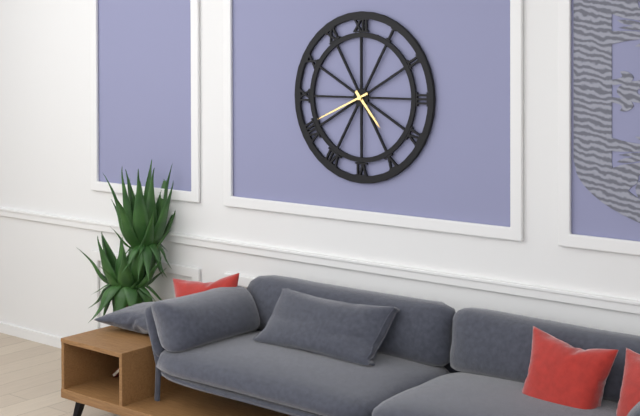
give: {"hour": 4, "minute": 41}
